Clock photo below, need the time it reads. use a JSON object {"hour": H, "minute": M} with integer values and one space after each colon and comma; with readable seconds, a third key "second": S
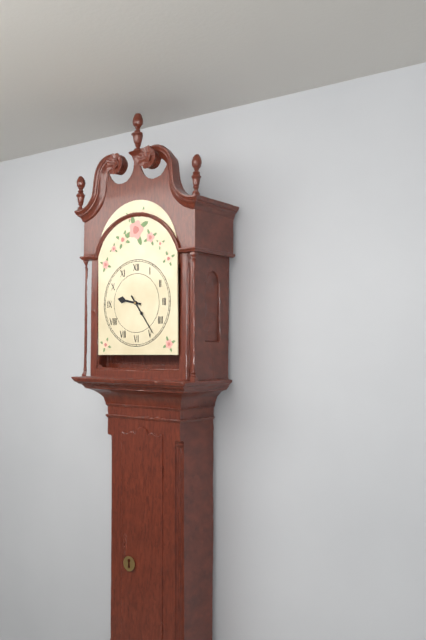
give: {"hour": 9, "minute": 24}
